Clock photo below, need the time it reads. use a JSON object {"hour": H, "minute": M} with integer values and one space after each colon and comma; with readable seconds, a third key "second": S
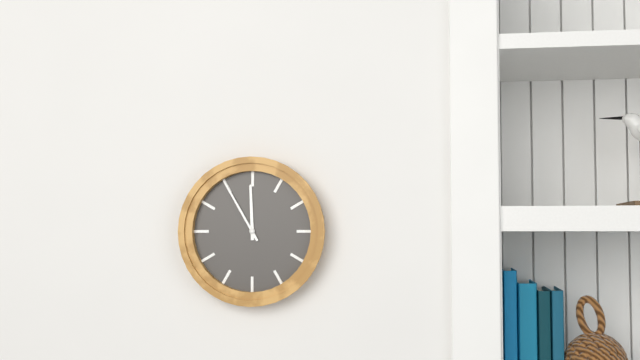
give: {"hour": 11, "minute": 55}
